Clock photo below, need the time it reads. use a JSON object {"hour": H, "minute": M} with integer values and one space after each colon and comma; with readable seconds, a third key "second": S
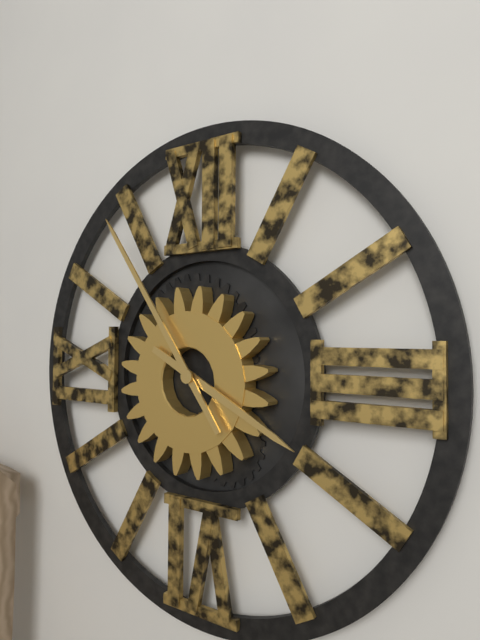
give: {"hour": 3, "minute": 54}
